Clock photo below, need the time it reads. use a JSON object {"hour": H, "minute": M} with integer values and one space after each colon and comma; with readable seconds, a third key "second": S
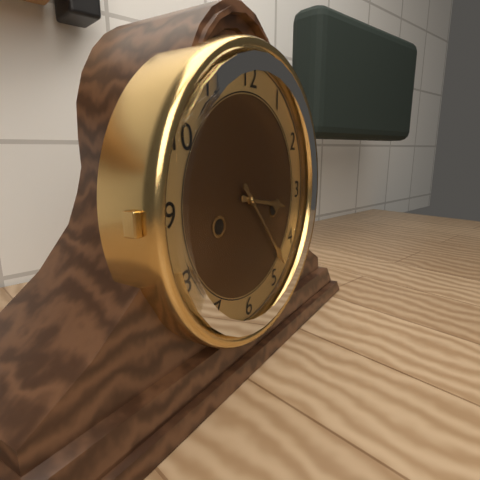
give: {"hour": 3, "minute": 23}
